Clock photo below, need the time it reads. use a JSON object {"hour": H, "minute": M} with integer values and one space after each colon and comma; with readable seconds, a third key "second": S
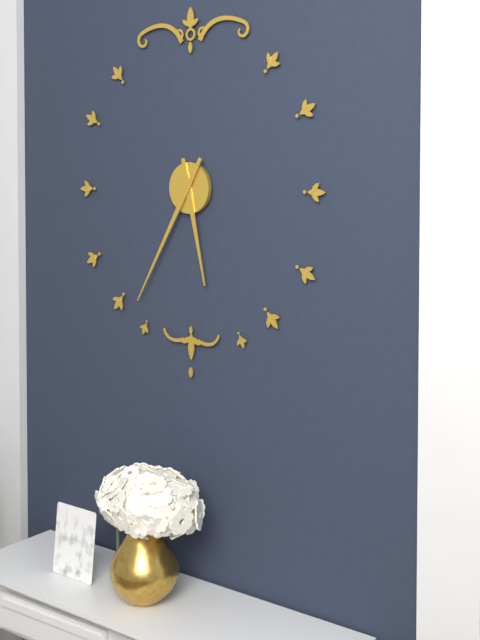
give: {"hour": 5, "minute": 35}
